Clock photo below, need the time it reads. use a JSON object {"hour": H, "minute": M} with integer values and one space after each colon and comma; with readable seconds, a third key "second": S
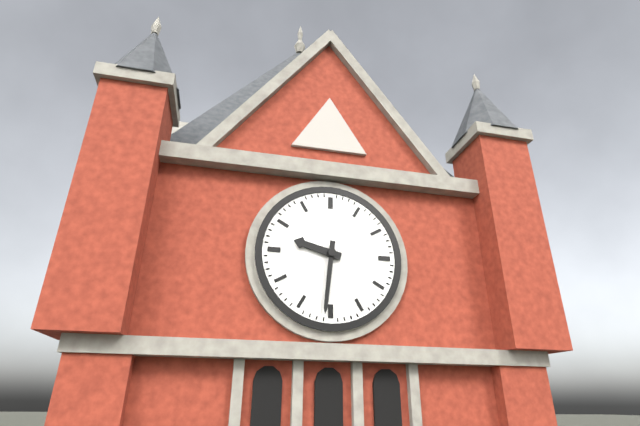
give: {"hour": 9, "minute": 31}
